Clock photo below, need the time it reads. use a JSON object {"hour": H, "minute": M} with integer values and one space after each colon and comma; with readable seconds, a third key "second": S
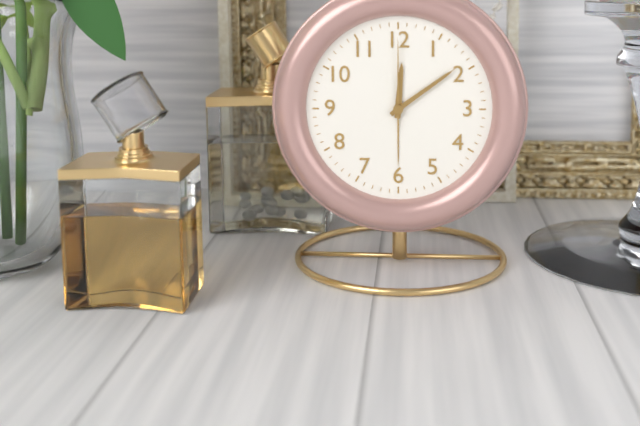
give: {"hour": 12, "minute": 9, "second": 0}
